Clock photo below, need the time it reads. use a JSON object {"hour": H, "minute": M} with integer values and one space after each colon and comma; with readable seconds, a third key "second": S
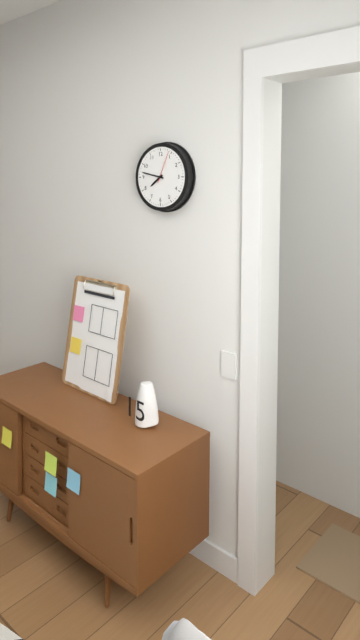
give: {"hour": 7, "minute": 47}
